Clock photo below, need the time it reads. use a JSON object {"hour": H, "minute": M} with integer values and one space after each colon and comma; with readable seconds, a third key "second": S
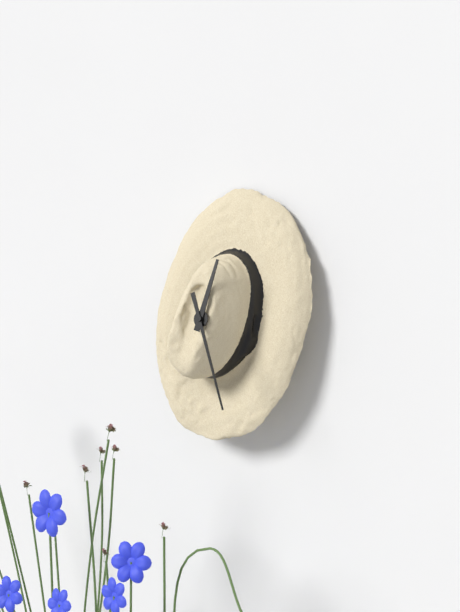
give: {"hour": 12, "minute": 26}
